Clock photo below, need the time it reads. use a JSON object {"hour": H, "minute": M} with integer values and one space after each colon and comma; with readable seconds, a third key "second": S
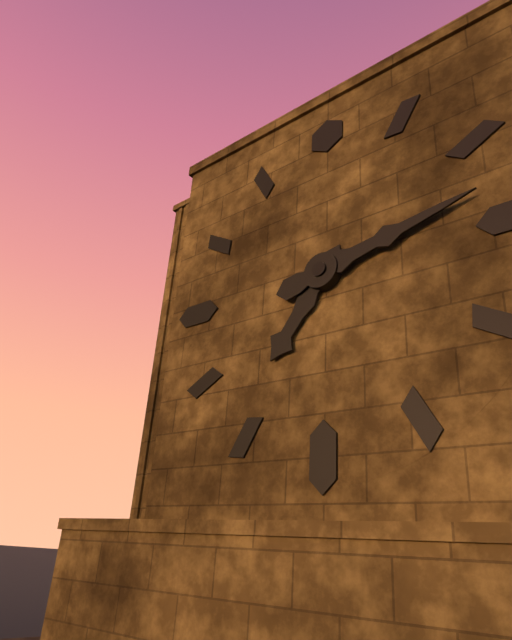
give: {"hour": 7, "minute": 13}
